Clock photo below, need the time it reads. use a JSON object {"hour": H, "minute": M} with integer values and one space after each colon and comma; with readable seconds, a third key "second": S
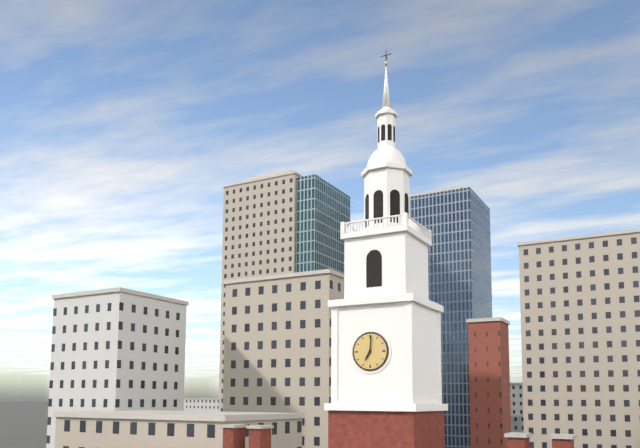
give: {"hour": 7, "minute": 1}
